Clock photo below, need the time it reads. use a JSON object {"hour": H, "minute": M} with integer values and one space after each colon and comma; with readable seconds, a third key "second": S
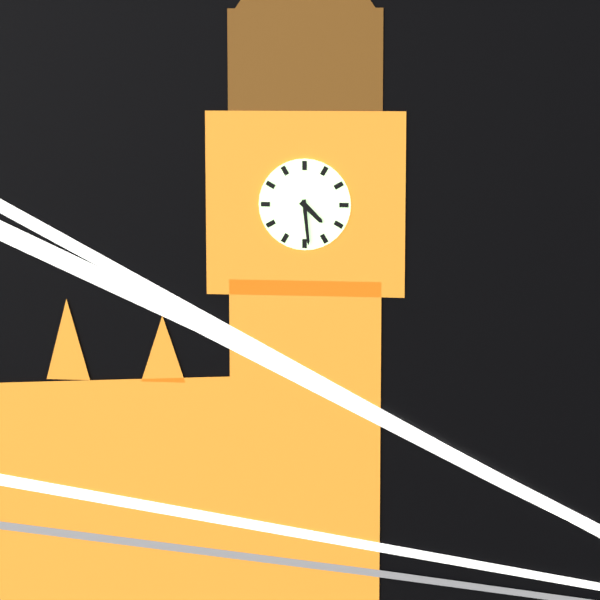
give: {"hour": 4, "minute": 29}
